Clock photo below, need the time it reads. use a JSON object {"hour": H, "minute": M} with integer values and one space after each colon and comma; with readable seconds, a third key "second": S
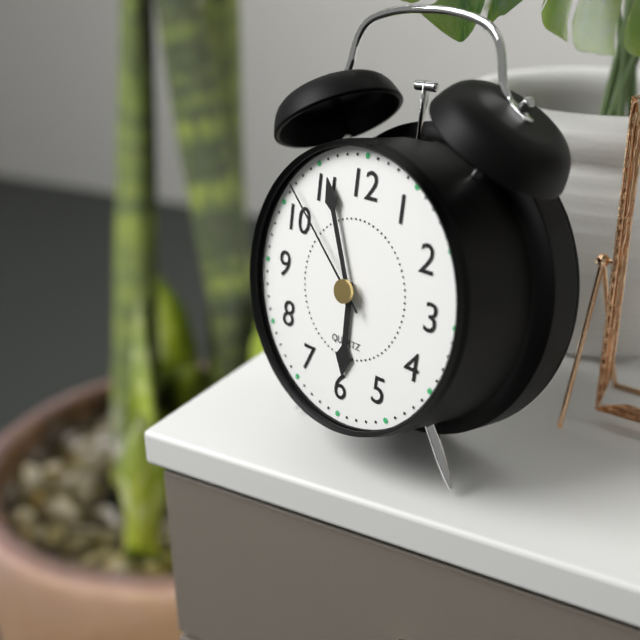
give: {"hour": 5, "minute": 56, "second": 52}
